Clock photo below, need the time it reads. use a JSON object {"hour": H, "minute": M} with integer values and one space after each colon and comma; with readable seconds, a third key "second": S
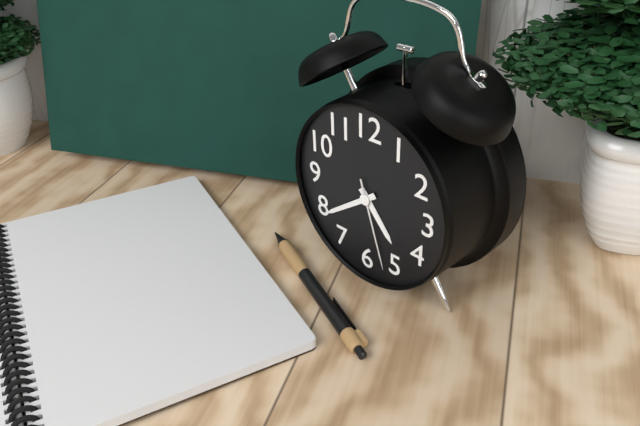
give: {"hour": 4, "minute": 39, "second": 27}
